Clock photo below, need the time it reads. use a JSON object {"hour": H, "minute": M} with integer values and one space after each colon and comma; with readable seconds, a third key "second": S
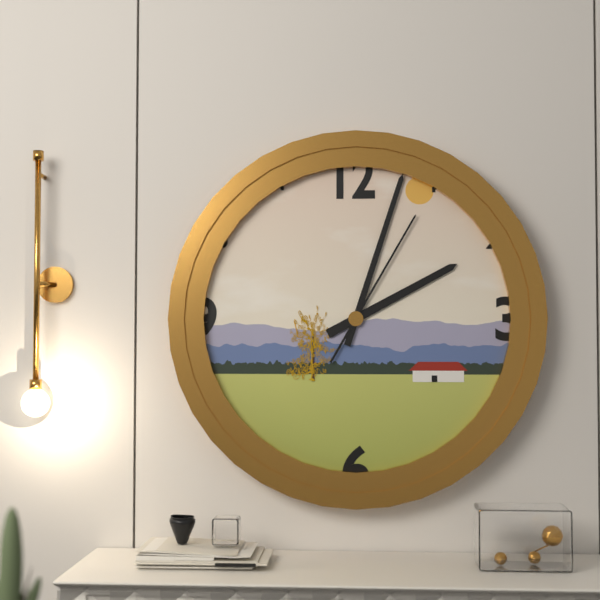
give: {"hour": 2, "minute": 3, "second": 5}
